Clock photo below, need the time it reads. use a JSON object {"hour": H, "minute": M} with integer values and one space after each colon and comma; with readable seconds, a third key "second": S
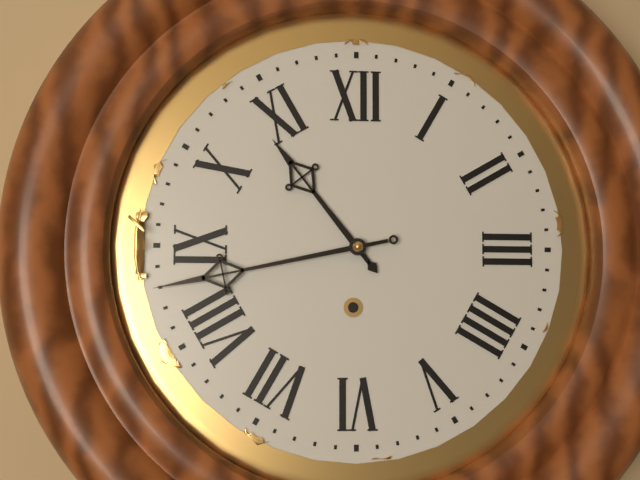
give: {"hour": 10, "minute": 43}
